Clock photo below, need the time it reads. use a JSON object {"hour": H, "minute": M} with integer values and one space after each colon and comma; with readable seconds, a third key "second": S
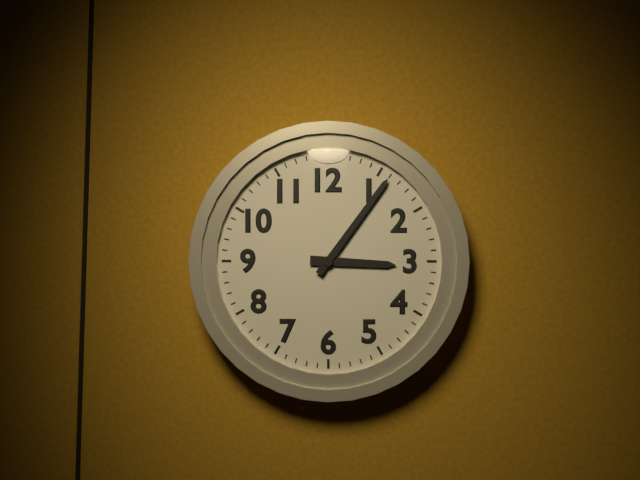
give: {"hour": 3, "minute": 6}
